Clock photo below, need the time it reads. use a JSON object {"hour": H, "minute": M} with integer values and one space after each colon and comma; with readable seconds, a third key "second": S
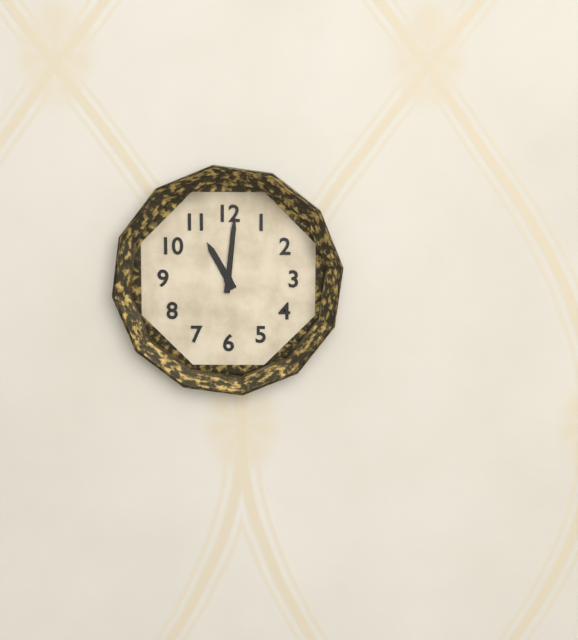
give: {"hour": 11, "minute": 1}
